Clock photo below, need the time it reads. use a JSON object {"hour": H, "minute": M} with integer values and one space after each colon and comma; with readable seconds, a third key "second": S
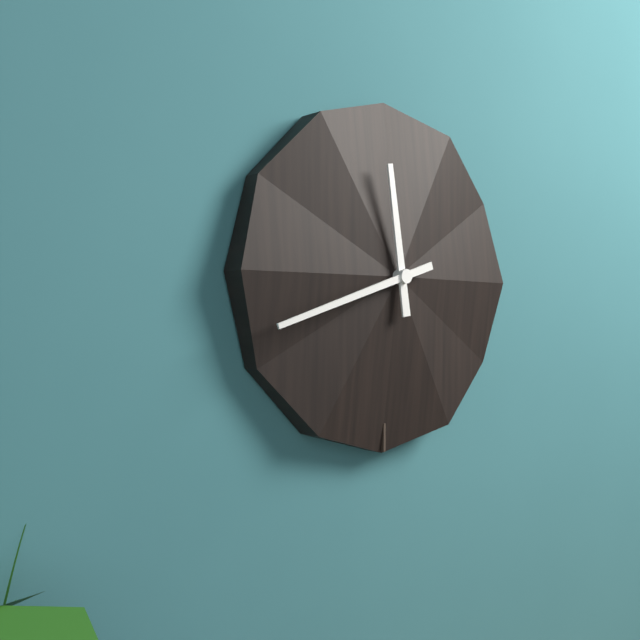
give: {"hour": 11, "minute": 42}
